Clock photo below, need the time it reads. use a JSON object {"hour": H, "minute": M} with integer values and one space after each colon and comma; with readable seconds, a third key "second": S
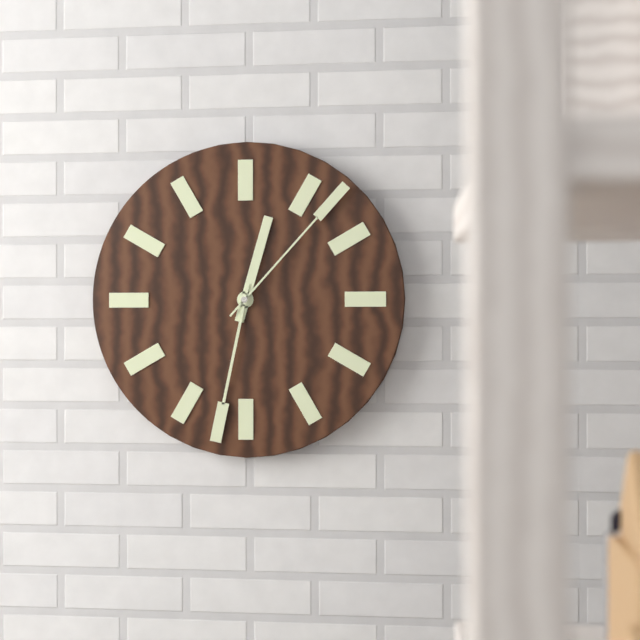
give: {"hour": 12, "minute": 32, "second": 7}
